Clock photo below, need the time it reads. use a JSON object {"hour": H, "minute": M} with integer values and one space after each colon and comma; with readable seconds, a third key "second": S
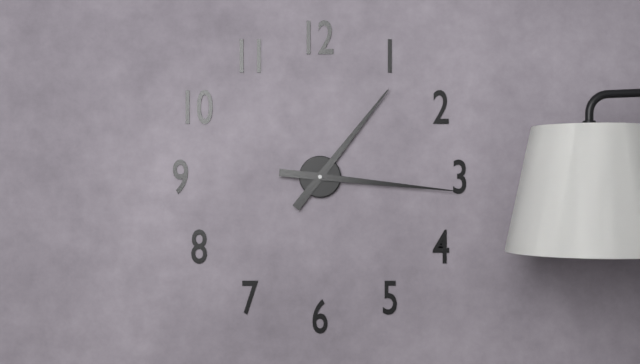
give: {"hour": 1, "minute": 16}
